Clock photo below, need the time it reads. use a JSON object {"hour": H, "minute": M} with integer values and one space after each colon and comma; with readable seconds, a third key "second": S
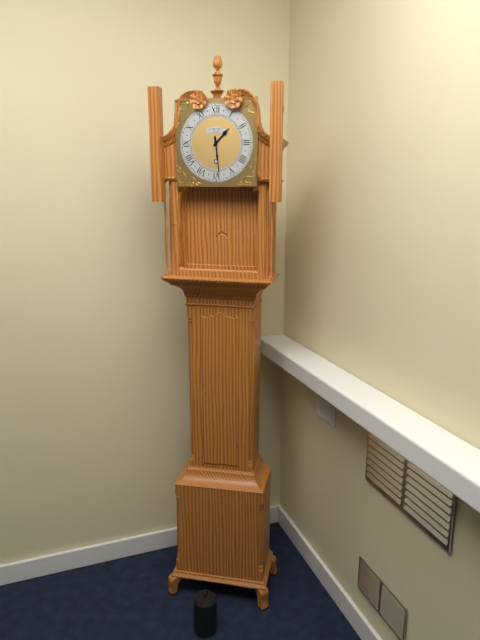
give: {"hour": 1, "minute": 29}
